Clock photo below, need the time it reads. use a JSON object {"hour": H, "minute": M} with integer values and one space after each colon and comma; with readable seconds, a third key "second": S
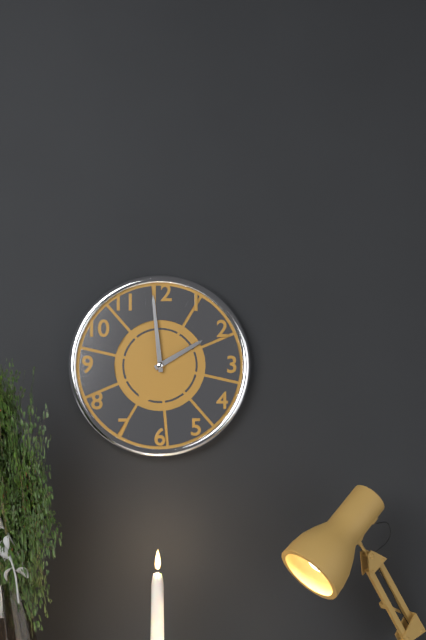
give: {"hour": 1, "minute": 59}
